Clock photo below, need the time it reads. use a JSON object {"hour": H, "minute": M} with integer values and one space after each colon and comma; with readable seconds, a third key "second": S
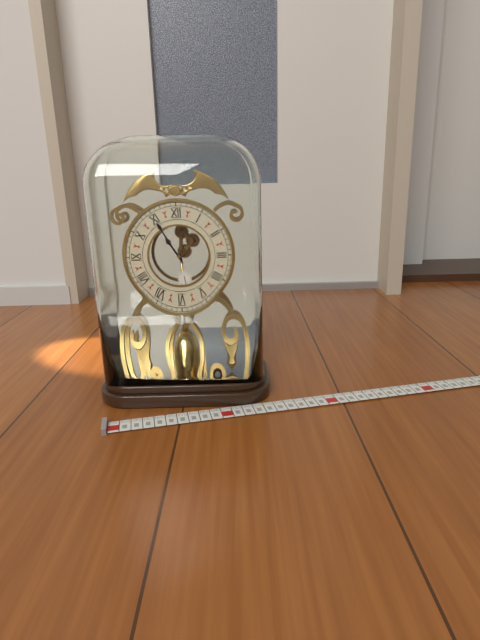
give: {"hour": 10, "minute": 55}
